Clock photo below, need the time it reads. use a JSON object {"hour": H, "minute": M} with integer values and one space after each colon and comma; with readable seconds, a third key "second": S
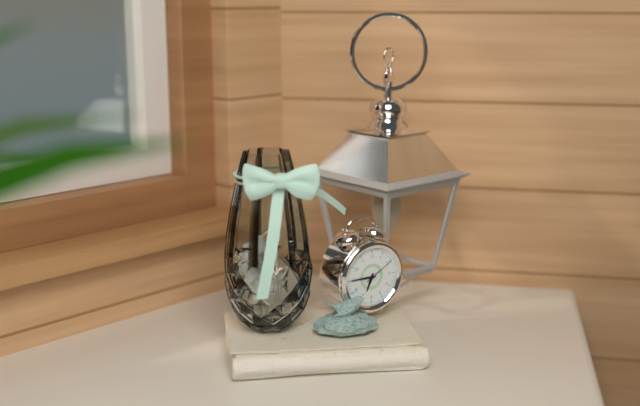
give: {"hour": 6, "minute": 45}
